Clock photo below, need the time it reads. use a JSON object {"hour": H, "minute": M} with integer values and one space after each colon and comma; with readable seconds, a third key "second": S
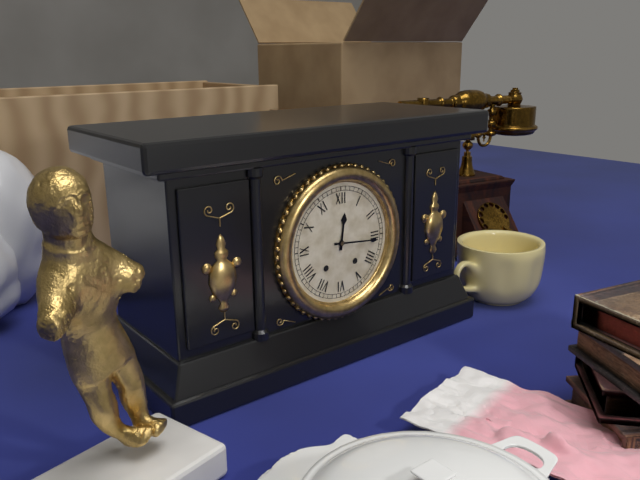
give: {"hour": 12, "minute": 16}
